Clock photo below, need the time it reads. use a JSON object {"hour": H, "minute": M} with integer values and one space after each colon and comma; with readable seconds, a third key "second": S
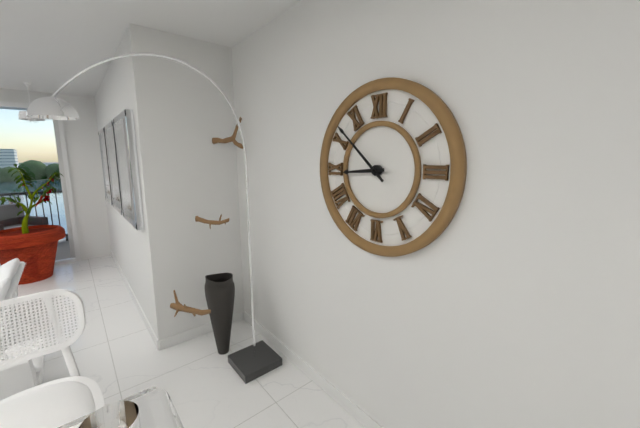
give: {"hour": 8, "minute": 52}
